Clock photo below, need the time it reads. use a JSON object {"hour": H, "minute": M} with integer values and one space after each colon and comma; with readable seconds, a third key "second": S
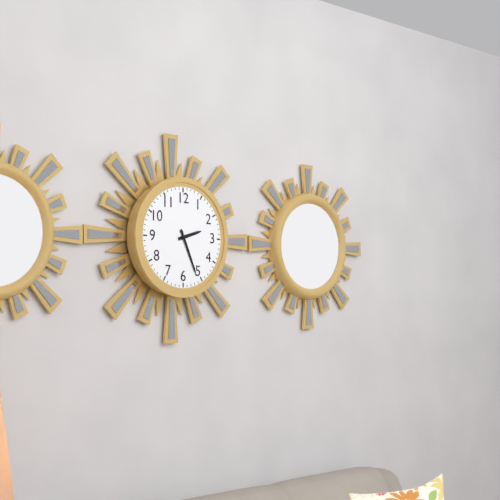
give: {"hour": 2, "minute": 26}
